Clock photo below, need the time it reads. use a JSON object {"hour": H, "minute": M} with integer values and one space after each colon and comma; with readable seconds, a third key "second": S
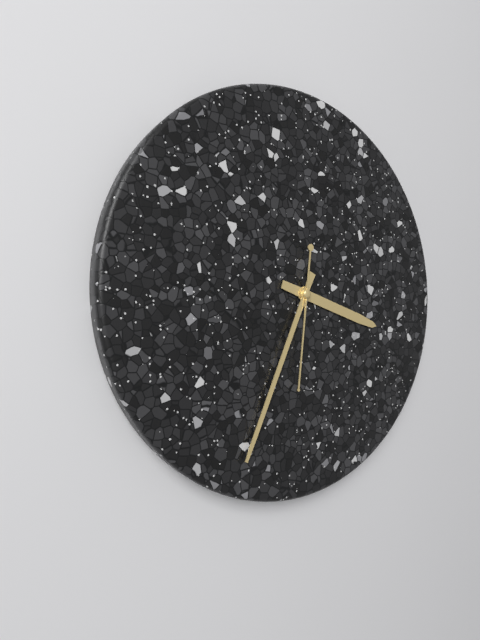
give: {"hour": 3, "minute": 34, "second": 31}
